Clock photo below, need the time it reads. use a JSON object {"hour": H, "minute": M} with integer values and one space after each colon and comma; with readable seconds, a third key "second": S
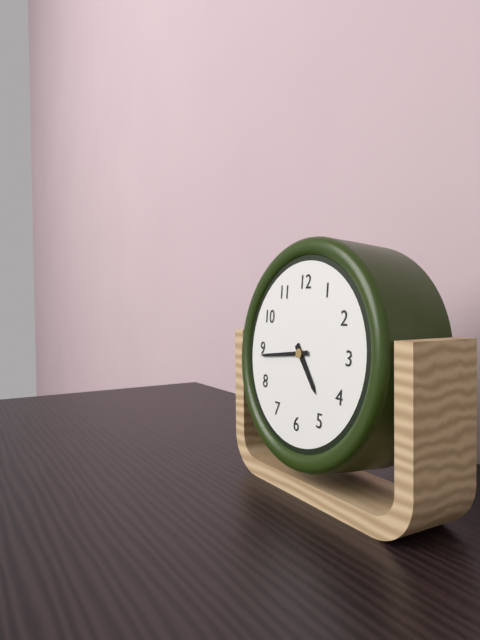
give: {"hour": 4, "minute": 44}
